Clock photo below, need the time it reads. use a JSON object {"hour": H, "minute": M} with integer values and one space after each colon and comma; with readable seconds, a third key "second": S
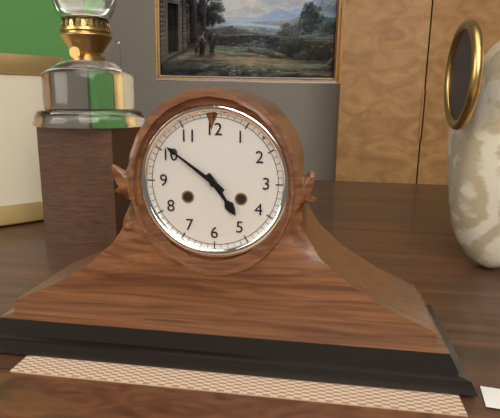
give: {"hour": 4, "minute": 51}
